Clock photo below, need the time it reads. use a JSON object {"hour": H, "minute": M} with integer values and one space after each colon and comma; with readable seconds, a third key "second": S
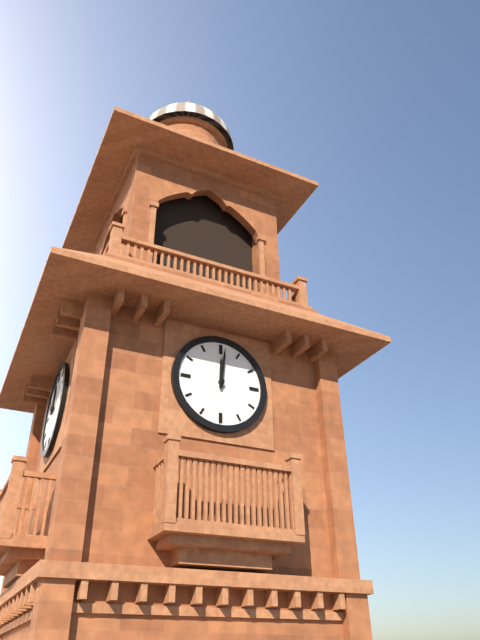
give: {"hour": 12, "minute": 1}
